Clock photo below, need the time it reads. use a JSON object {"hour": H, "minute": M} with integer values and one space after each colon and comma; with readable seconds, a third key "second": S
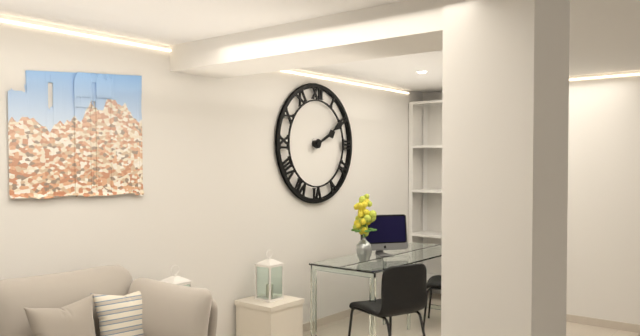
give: {"hour": 2, "minute": 10}
